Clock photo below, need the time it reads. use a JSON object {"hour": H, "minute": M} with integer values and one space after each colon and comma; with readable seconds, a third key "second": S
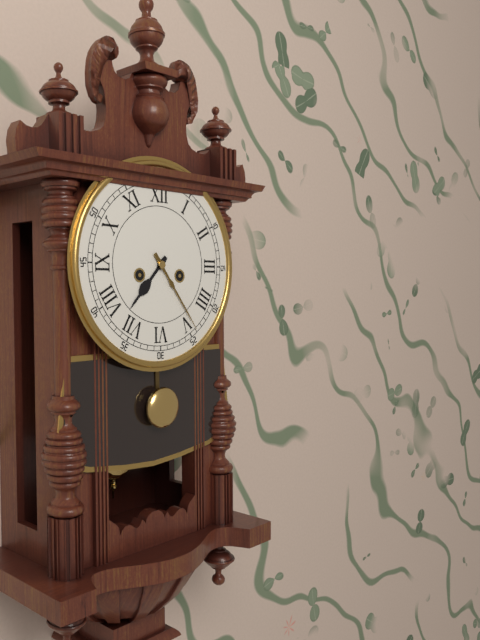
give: {"hour": 7, "minute": 24}
